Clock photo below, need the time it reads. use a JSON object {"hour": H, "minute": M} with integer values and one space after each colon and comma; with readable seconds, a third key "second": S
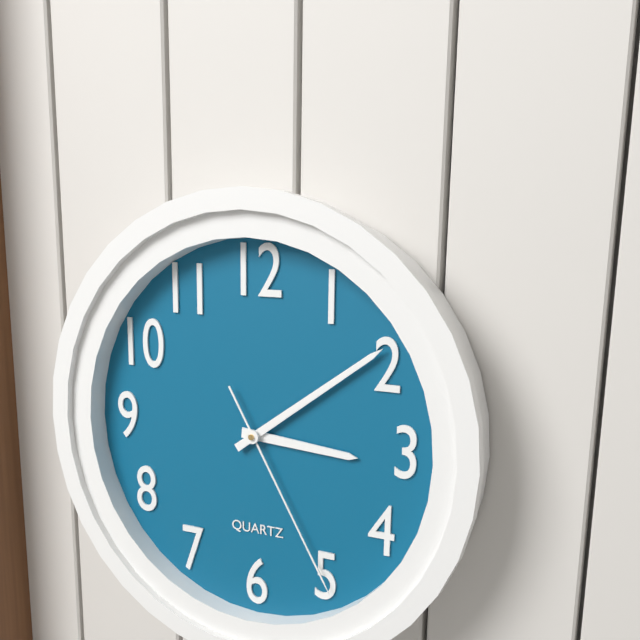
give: {"hour": 3, "minute": 9, "second": 25}
